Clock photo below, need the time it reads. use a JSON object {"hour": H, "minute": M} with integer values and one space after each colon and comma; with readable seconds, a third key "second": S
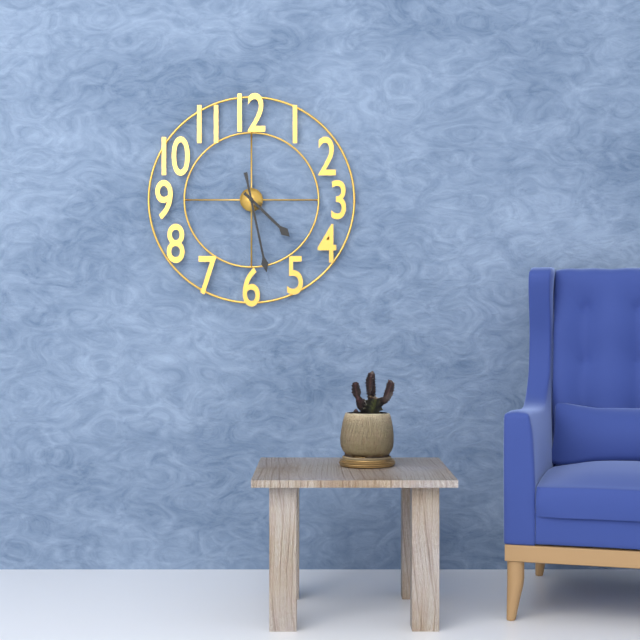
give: {"hour": 4, "minute": 28}
